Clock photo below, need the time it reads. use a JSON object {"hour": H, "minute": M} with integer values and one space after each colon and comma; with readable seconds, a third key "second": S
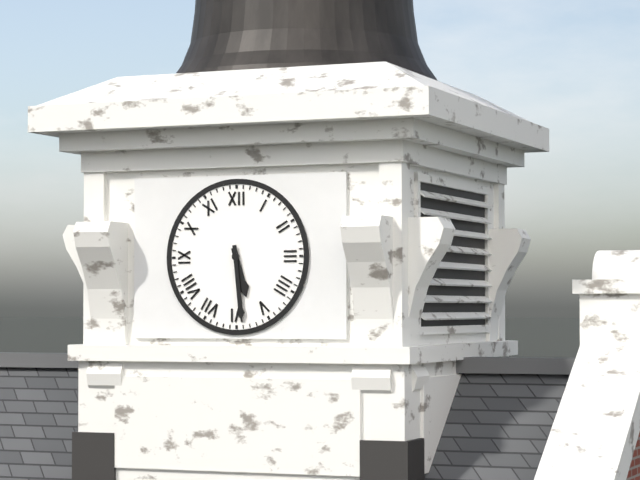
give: {"hour": 5, "minute": 29}
